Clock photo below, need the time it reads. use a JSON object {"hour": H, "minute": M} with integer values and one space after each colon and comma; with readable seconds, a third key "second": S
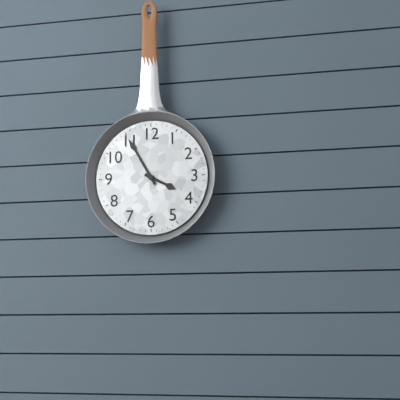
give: {"hour": 3, "minute": 55}
